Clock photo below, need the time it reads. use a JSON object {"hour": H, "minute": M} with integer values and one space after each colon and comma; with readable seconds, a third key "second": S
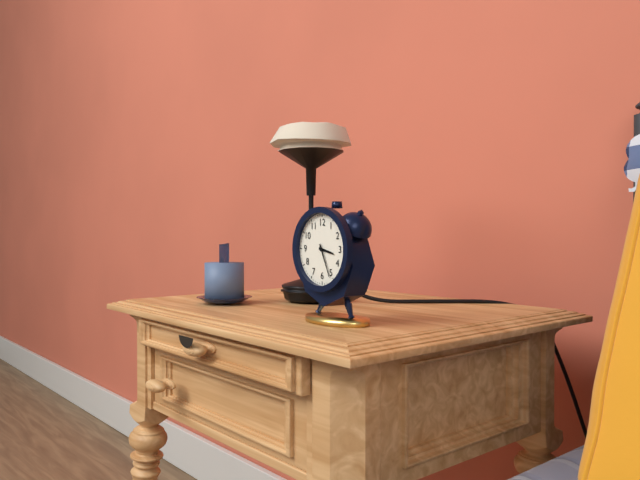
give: {"hour": 3, "minute": 26}
